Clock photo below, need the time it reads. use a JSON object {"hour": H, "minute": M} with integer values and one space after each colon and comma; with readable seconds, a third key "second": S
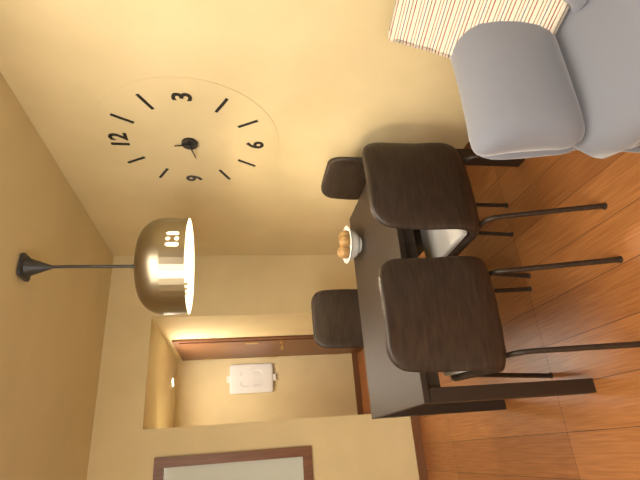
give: {"hour": 11, "minute": 43}
